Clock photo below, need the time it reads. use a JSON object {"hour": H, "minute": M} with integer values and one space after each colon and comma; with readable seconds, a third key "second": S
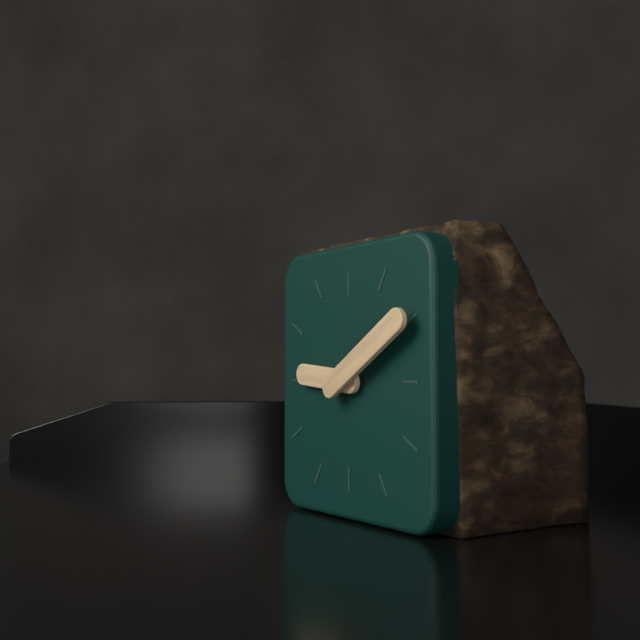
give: {"hour": 9, "minute": 10}
